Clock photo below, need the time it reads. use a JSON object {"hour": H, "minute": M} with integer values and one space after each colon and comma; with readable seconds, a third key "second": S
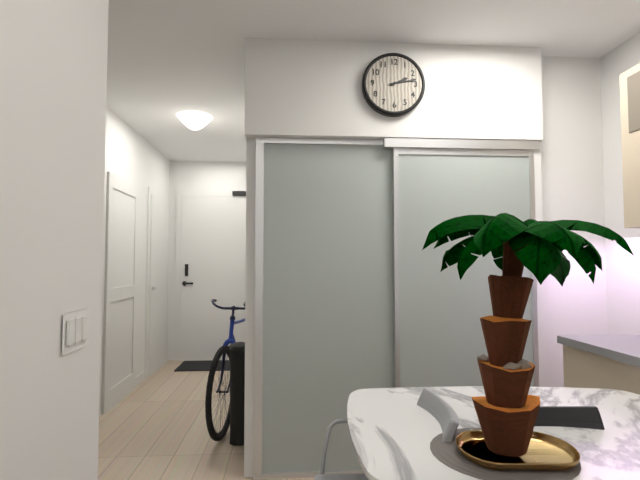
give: {"hour": 2, "minute": 13}
